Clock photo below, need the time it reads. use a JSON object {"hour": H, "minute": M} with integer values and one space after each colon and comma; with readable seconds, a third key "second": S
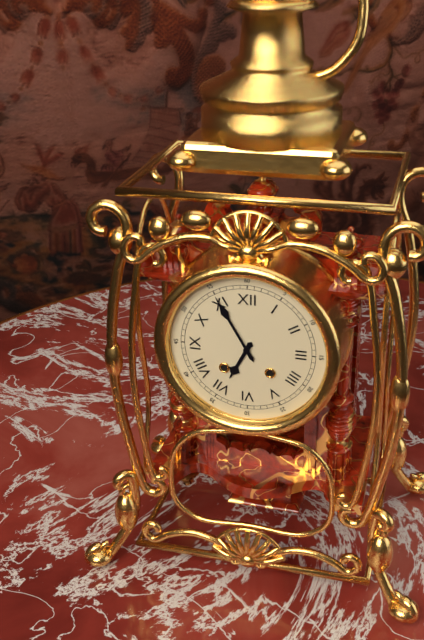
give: {"hour": 6, "minute": 55}
